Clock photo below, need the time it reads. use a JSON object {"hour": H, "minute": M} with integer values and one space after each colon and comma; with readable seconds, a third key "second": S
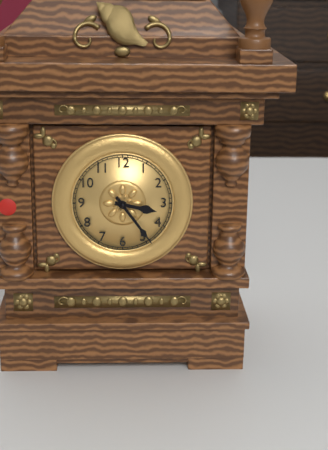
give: {"hour": 3, "minute": 24}
